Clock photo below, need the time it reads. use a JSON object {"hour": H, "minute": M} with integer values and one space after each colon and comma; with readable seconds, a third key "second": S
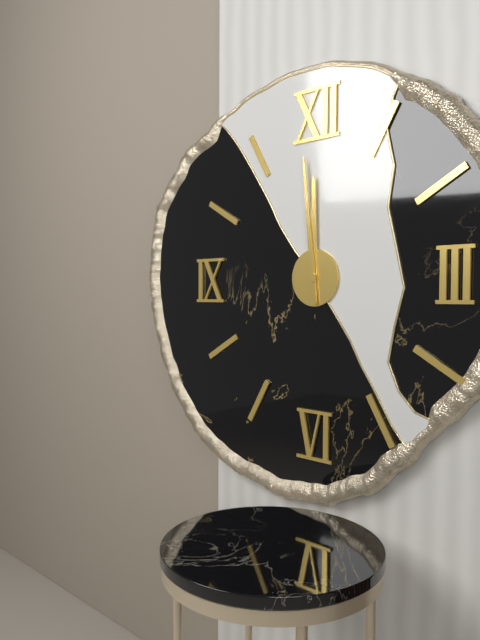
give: {"hour": 11, "minute": 59}
